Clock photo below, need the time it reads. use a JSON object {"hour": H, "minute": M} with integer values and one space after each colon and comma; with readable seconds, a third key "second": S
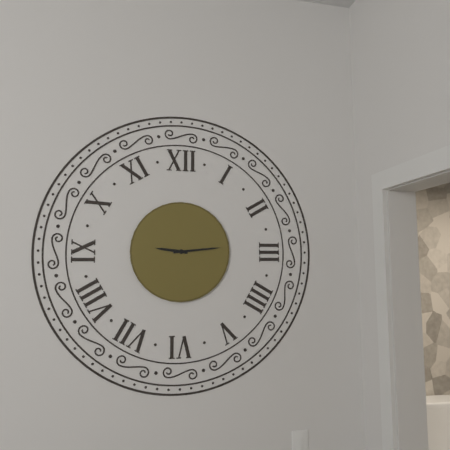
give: {"hour": 9, "minute": 14}
